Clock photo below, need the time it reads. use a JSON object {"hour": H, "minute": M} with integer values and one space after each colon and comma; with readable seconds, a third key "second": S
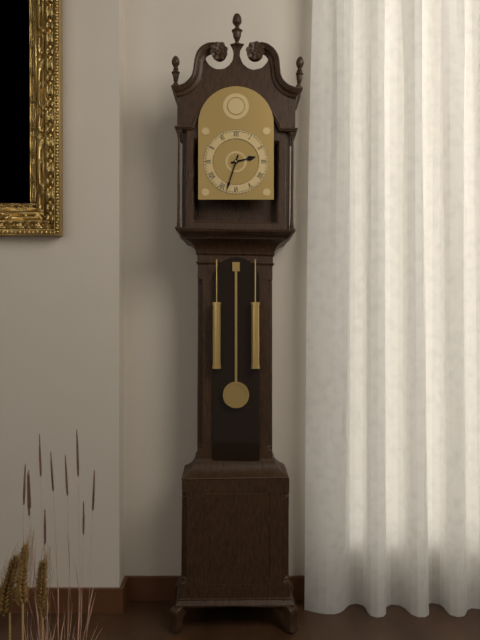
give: {"hour": 2, "minute": 33}
